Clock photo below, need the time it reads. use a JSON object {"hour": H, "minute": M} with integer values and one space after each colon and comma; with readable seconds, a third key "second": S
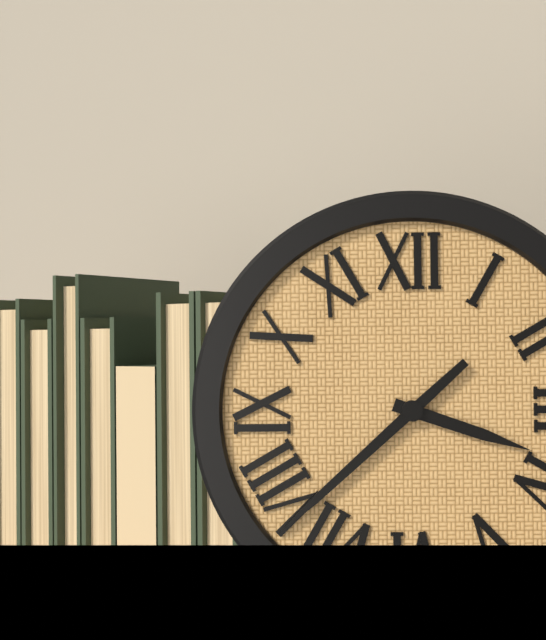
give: {"hour": 3, "minute": 38}
